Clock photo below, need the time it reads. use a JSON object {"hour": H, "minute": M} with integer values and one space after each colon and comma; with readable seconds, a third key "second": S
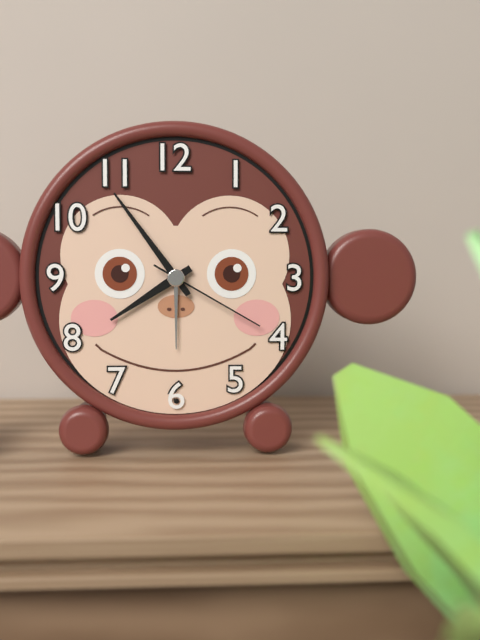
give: {"hour": 7, "minute": 54, "second": 20}
